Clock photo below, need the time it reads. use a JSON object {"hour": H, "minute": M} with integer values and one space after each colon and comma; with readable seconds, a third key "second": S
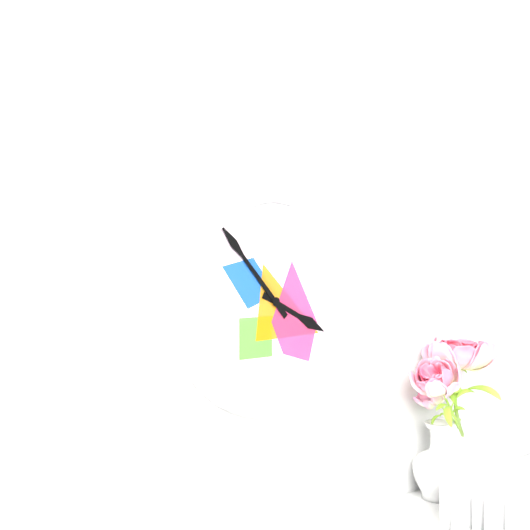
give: {"hour": 3, "minute": 53}
